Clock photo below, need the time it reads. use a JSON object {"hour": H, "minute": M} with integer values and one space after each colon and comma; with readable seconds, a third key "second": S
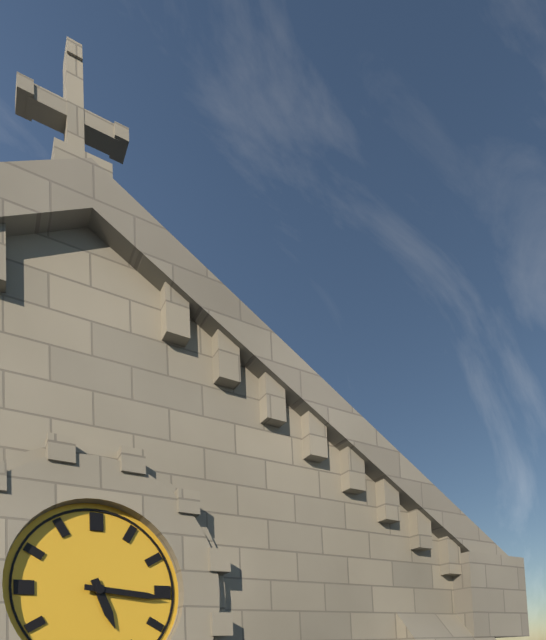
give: {"hour": 5, "minute": 16}
